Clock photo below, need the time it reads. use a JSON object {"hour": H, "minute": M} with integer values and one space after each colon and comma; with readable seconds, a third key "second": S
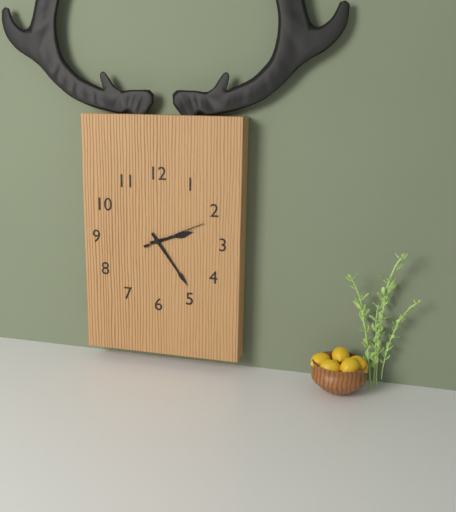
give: {"hour": 2, "minute": 24}
